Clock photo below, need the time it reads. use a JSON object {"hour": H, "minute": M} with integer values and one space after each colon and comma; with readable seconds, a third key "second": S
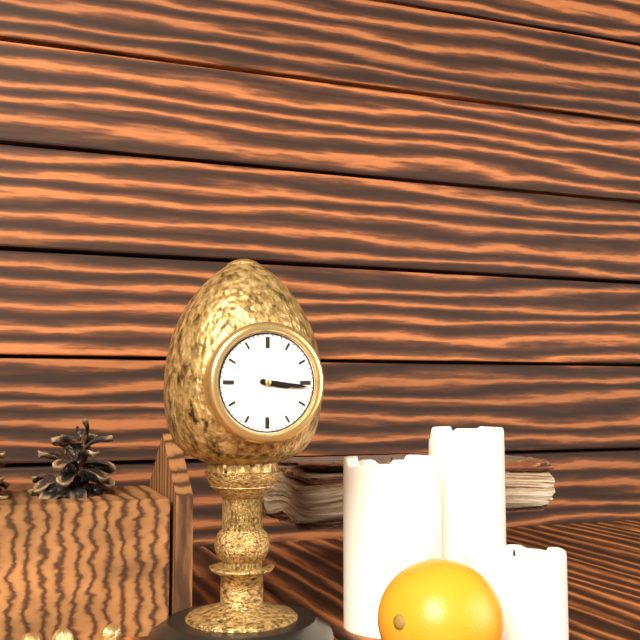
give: {"hour": 3, "minute": 16}
